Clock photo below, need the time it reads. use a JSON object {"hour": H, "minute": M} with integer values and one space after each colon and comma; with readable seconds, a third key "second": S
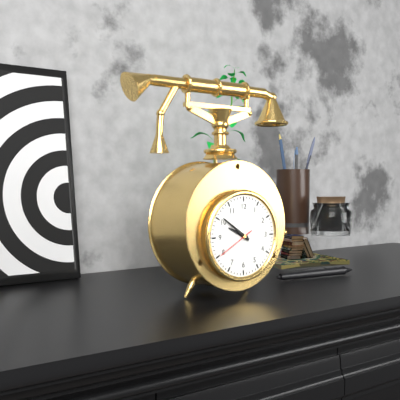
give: {"hour": 9, "minute": 51}
